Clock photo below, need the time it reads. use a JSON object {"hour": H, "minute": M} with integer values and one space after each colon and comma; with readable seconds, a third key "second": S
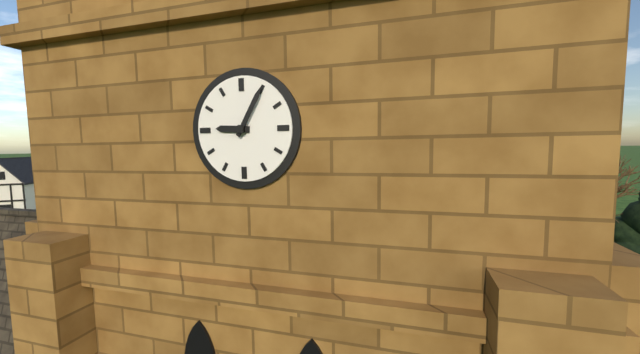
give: {"hour": 9, "minute": 5}
